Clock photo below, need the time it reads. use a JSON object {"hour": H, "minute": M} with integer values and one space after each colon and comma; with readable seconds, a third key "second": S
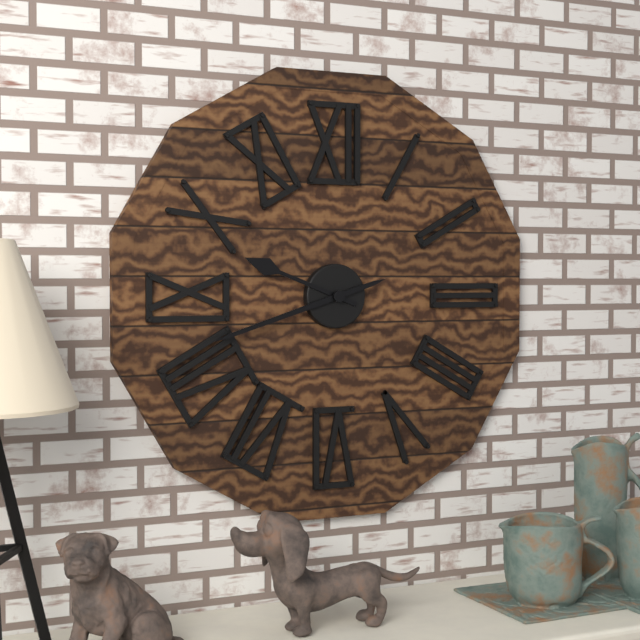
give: {"hour": 9, "minute": 42}
